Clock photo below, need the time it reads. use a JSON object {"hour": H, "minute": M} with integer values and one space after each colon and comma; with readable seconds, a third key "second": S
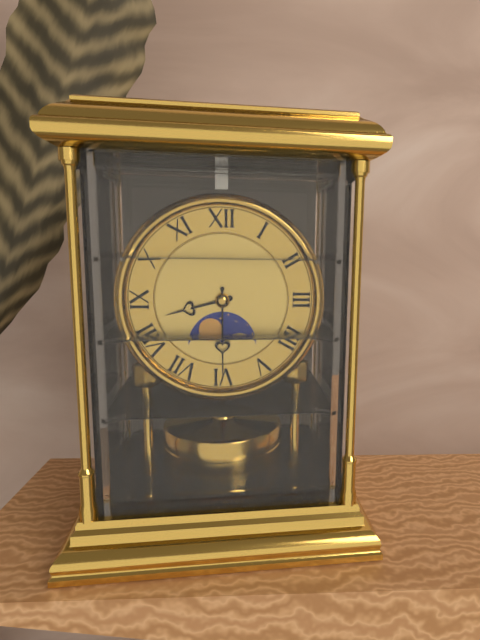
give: {"hour": 8, "minute": 30}
